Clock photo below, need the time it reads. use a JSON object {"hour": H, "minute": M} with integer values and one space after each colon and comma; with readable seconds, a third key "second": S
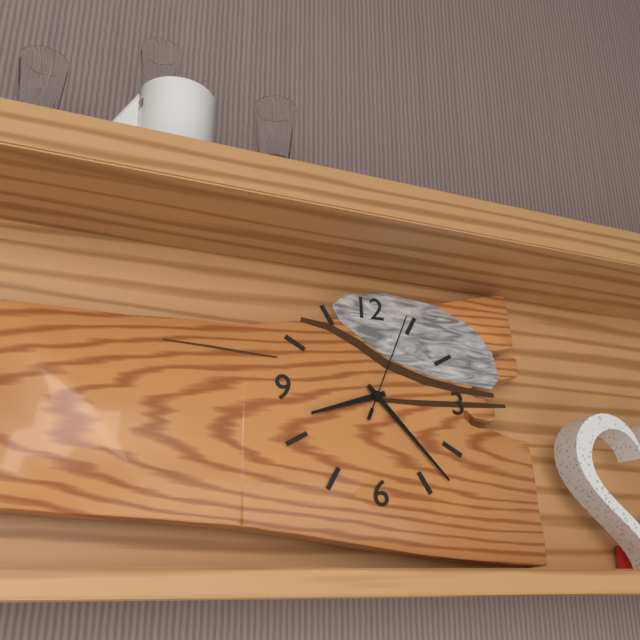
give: {"hour": 8, "minute": 23, "second": 4}
